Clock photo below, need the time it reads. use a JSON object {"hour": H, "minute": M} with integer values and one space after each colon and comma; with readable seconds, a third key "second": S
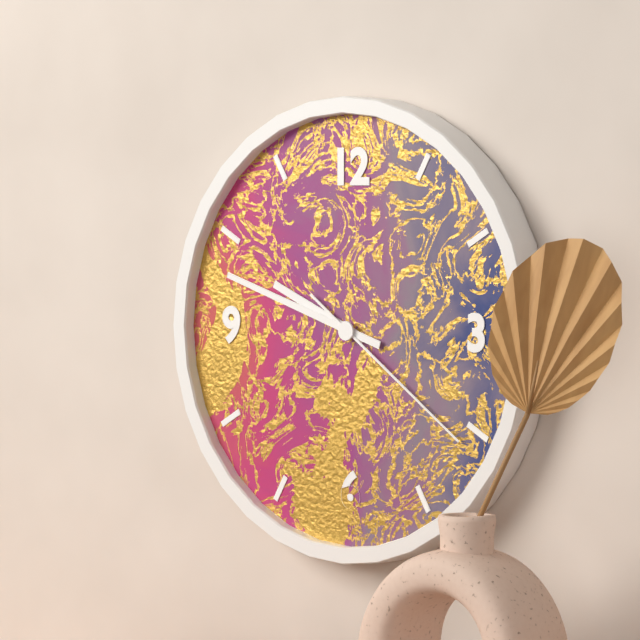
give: {"hour": 9, "minute": 48, "second": 21}
